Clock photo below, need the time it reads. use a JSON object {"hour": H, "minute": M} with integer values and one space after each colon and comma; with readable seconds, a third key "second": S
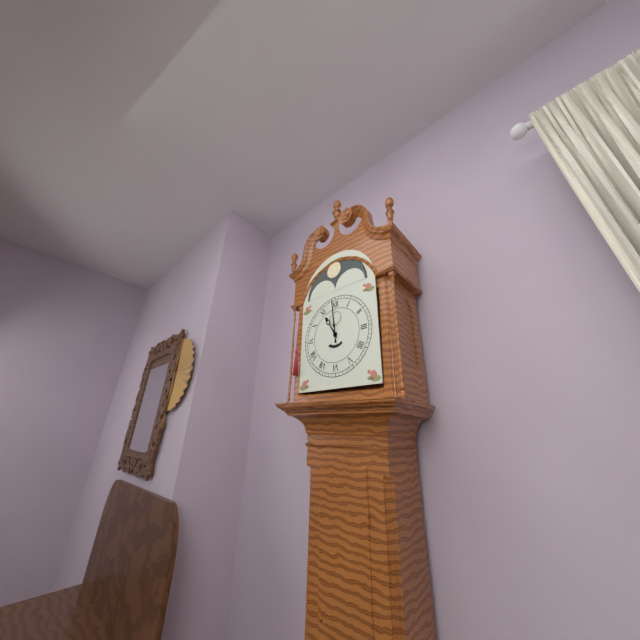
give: {"hour": 10, "minute": 59}
